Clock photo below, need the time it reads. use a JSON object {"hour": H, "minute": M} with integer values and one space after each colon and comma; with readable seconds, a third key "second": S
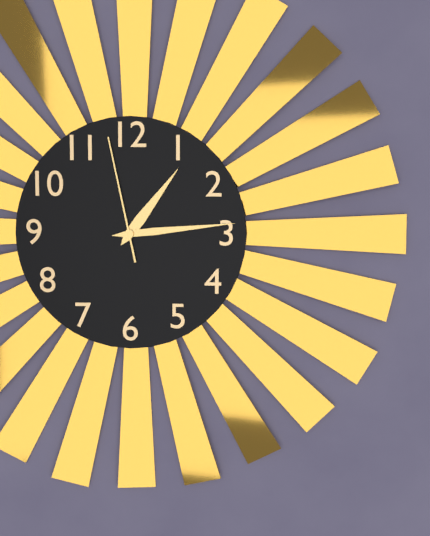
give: {"hour": 1, "minute": 14, "second": 58}
